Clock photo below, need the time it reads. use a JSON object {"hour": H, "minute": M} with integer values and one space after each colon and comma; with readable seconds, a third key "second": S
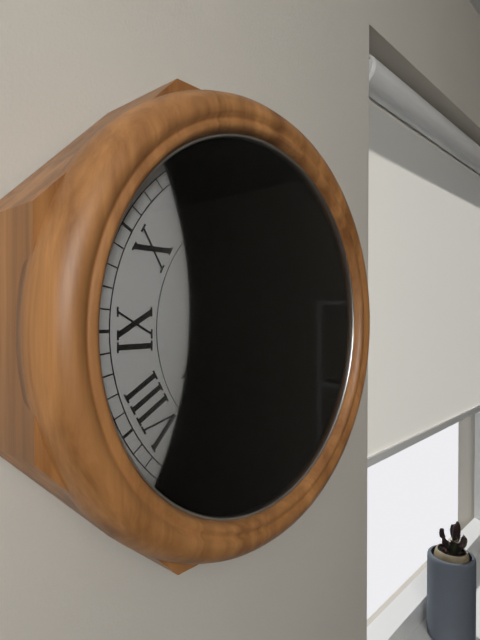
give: {"hour": 8, "minute": 8}
